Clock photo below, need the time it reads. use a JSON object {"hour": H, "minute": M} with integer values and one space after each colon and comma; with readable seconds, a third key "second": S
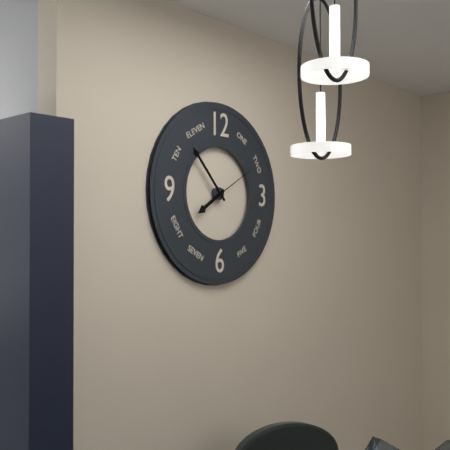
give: {"hour": 7, "minute": 53, "second": 10}
